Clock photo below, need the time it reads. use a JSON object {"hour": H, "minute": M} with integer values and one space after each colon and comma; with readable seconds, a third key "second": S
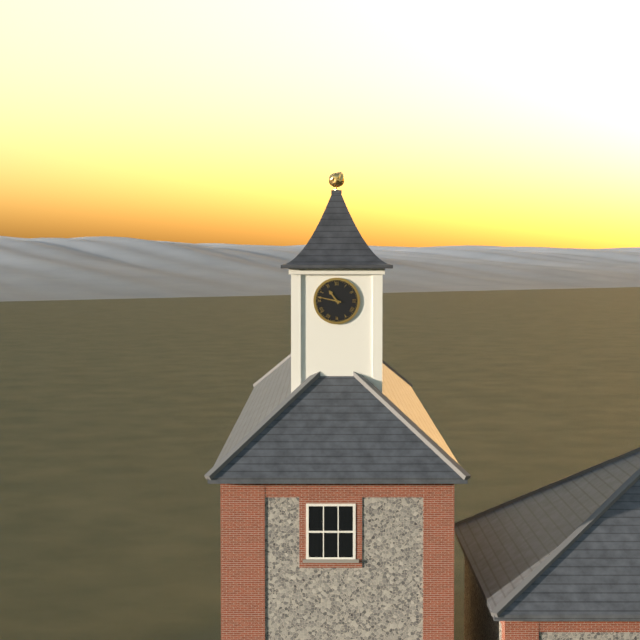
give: {"hour": 10, "minute": 47}
